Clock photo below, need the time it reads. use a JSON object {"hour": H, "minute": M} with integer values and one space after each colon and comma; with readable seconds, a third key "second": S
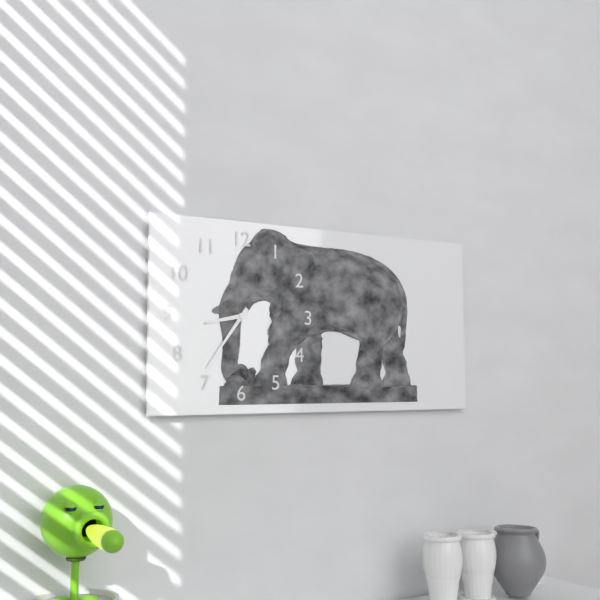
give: {"hour": 8, "minute": 36}
